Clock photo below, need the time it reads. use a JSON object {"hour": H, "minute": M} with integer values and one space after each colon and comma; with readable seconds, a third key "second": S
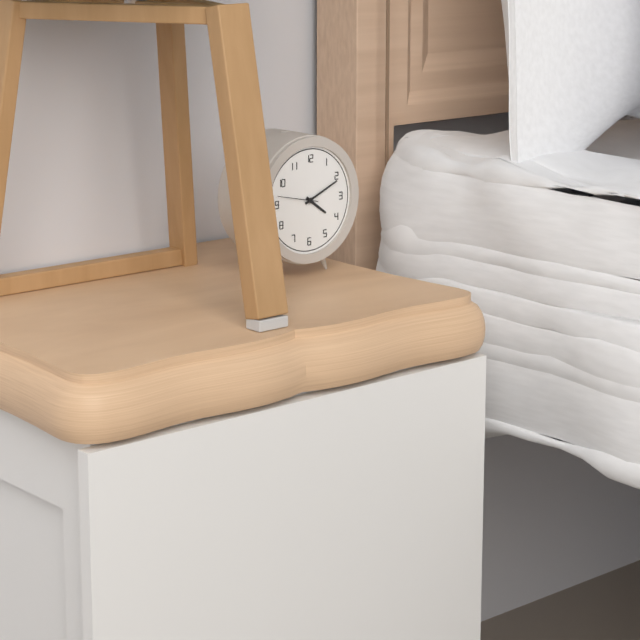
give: {"hour": 4, "minute": 11}
